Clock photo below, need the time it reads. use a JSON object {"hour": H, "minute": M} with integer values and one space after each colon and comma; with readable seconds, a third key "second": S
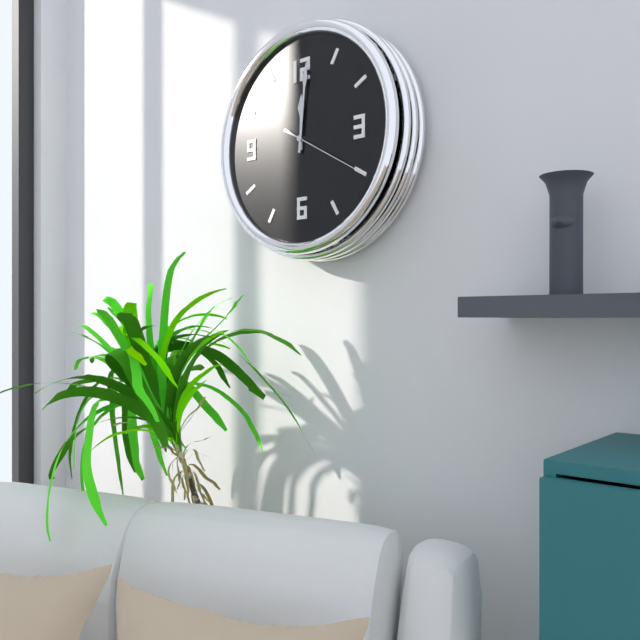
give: {"hour": 12, "minute": 1, "second": 20}
